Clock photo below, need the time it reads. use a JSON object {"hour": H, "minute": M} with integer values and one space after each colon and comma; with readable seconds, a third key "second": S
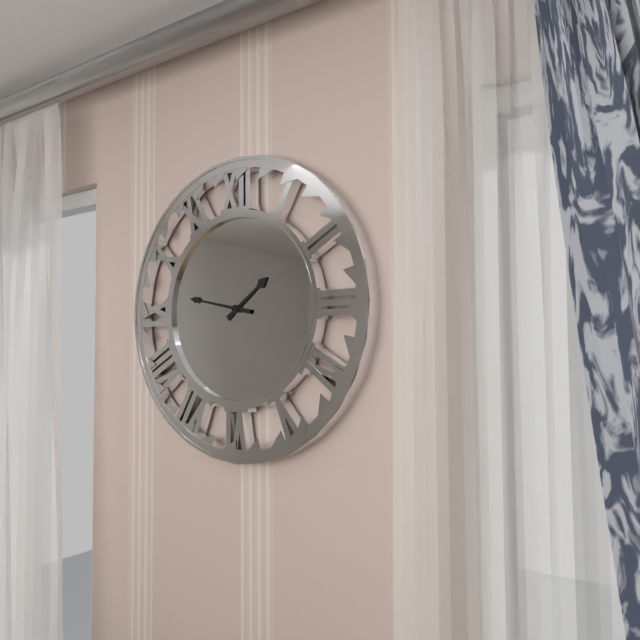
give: {"hour": 1, "minute": 47}
